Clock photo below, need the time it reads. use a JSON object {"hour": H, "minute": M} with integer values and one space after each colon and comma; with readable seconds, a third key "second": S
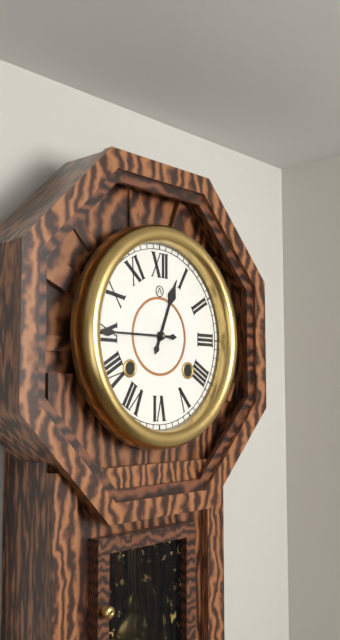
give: {"hour": 12, "minute": 45}
